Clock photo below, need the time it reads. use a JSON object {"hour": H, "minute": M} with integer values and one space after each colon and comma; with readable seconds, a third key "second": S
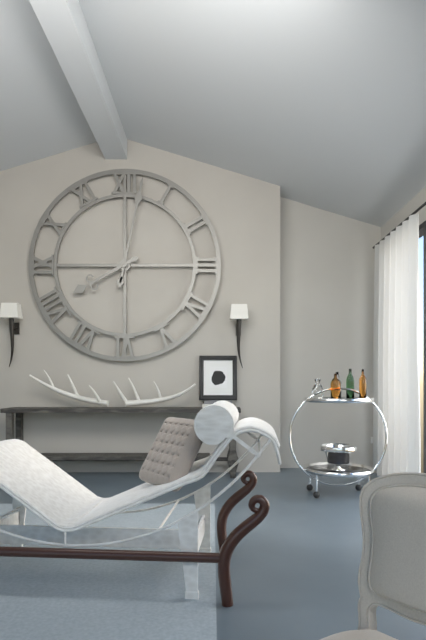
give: {"hour": 8, "minute": 2}
